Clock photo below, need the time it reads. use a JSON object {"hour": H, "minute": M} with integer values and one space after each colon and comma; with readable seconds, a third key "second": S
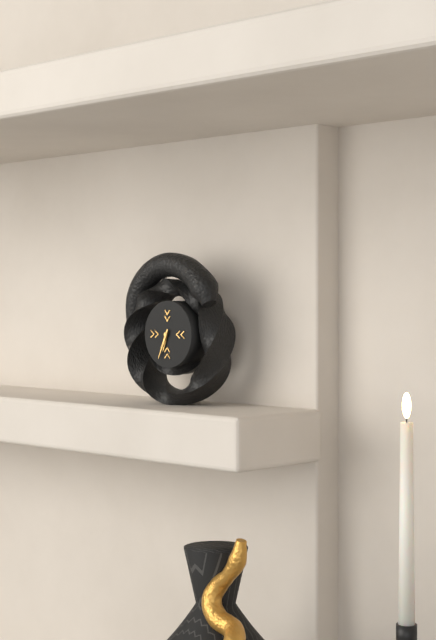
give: {"hour": 6, "minute": 34}
